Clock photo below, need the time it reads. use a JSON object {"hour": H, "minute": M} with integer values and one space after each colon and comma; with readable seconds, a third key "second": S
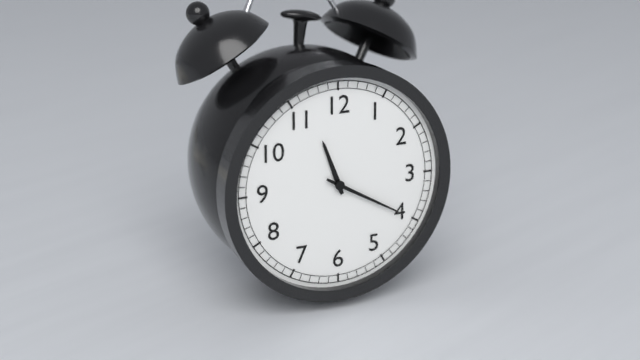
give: {"hour": 11, "minute": 20}
